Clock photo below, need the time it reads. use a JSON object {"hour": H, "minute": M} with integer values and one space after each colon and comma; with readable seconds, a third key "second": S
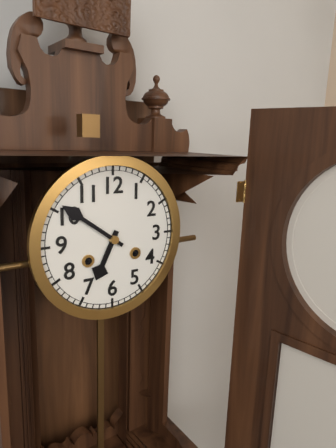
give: {"hour": 6, "minute": 51}
